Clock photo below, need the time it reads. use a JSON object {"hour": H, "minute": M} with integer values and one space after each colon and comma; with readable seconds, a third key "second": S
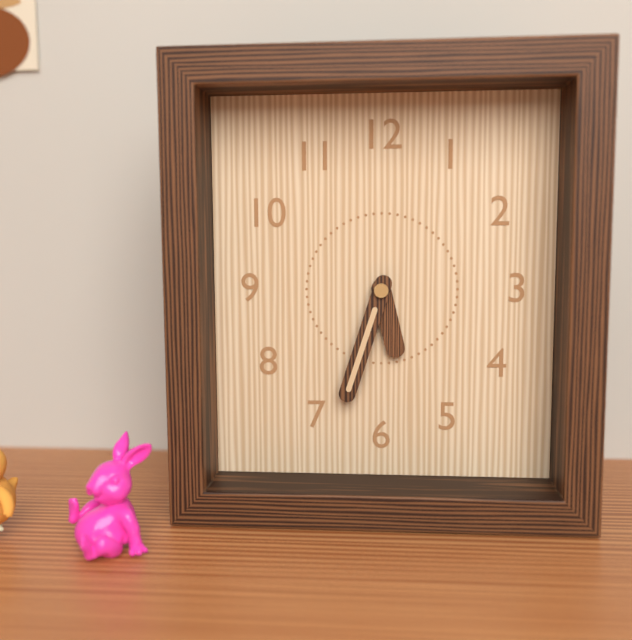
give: {"hour": 5, "minute": 33}
